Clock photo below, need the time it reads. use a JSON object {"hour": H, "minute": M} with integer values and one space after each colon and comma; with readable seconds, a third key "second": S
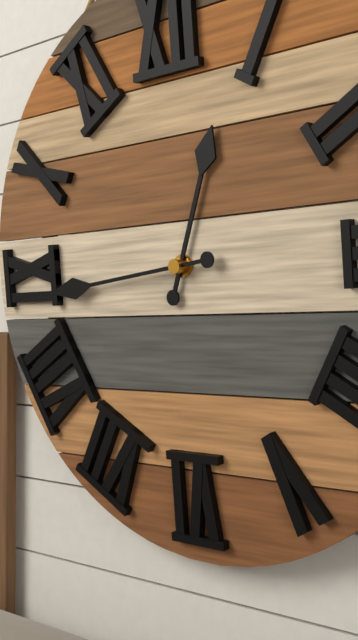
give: {"hour": 12, "minute": 44}
